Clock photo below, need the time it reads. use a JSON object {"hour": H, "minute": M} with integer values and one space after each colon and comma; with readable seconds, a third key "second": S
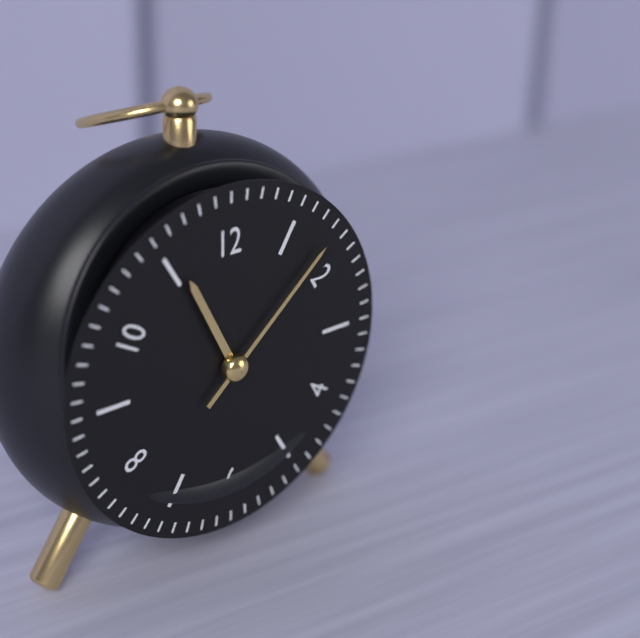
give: {"hour": 11, "minute": 8}
